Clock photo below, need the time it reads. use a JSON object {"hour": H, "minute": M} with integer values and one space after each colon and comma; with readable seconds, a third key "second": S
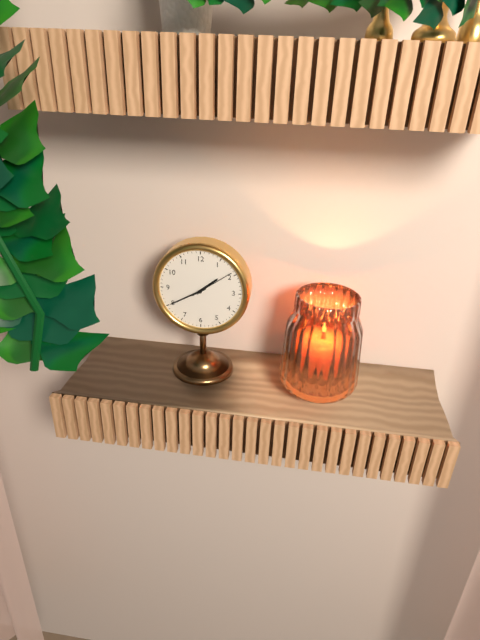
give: {"hour": 1, "minute": 40}
